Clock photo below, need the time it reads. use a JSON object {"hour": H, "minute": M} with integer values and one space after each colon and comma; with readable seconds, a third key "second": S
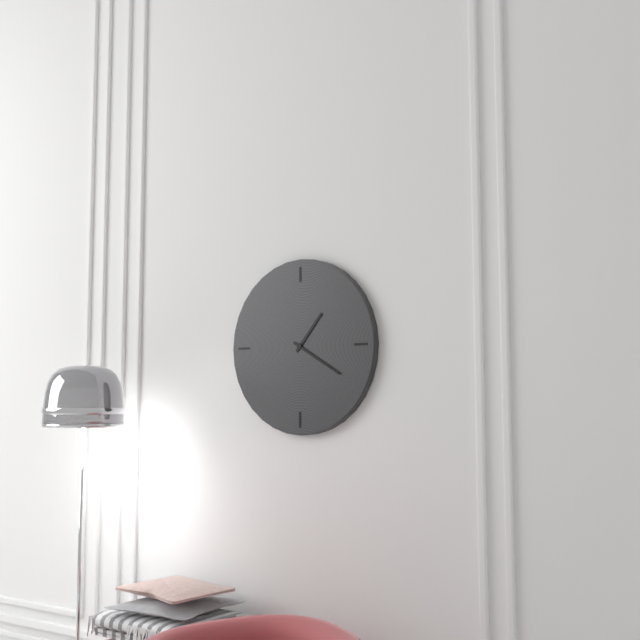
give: {"hour": 1, "minute": 20}
